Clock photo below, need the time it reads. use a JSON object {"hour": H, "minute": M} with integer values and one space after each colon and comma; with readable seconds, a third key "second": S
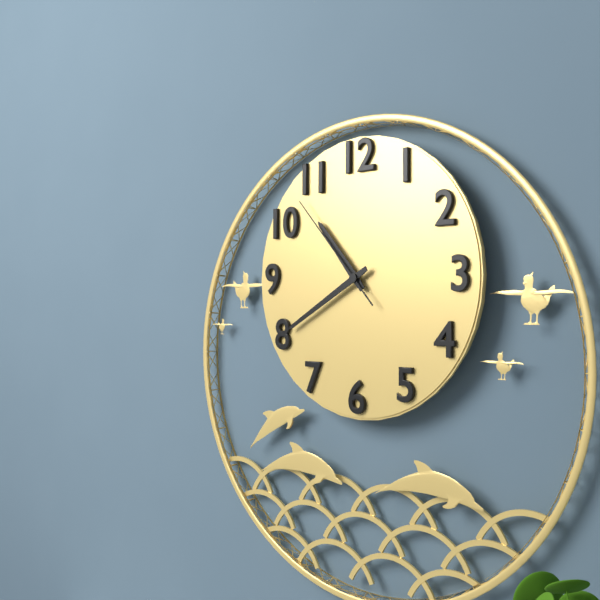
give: {"hour": 10, "minute": 40, "second": 53}
